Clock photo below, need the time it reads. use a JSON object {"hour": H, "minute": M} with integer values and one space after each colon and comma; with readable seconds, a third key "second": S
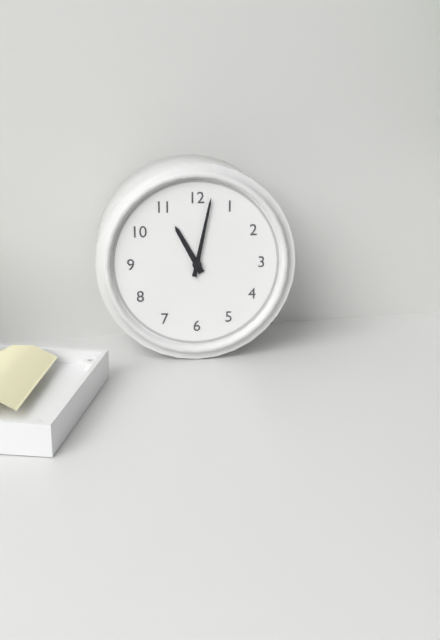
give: {"hour": 11, "minute": 2}
